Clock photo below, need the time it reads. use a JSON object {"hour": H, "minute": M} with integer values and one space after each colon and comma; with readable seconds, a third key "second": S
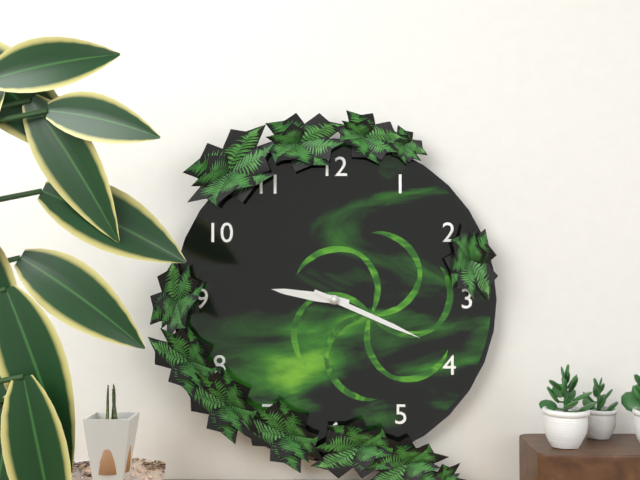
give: {"hour": 9, "minute": 19}
